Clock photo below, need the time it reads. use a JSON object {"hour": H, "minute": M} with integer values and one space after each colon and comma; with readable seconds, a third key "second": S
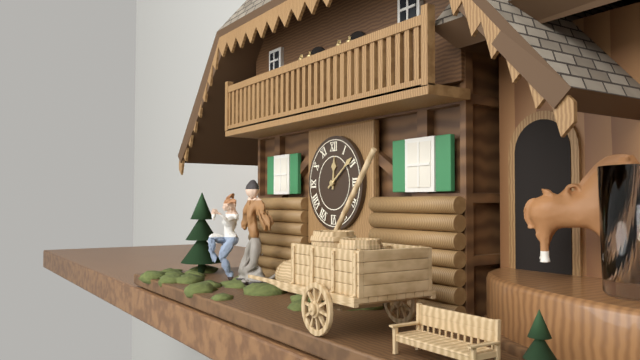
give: {"hour": 12, "minute": 9}
